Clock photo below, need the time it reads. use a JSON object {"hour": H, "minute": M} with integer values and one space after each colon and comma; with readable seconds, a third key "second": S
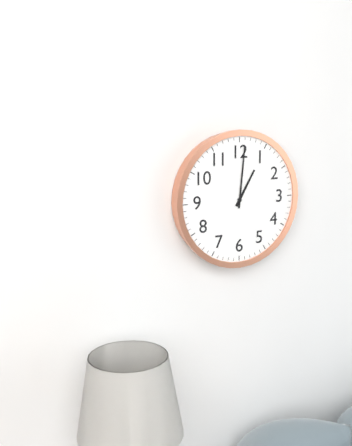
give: {"hour": 1, "minute": 1}
